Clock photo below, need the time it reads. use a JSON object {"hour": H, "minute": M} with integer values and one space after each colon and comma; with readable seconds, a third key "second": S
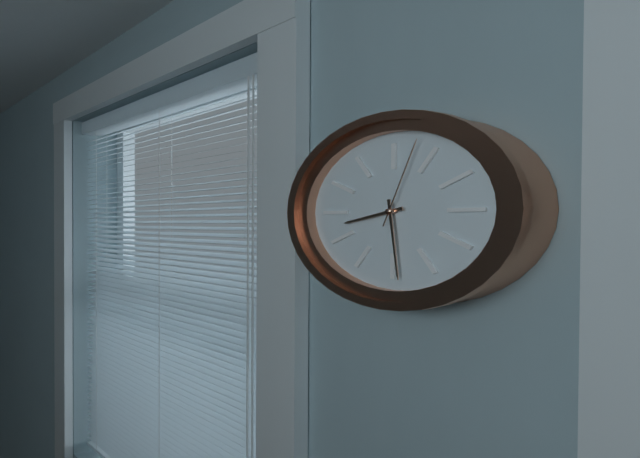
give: {"hour": 8, "minute": 29, "second": 3}
